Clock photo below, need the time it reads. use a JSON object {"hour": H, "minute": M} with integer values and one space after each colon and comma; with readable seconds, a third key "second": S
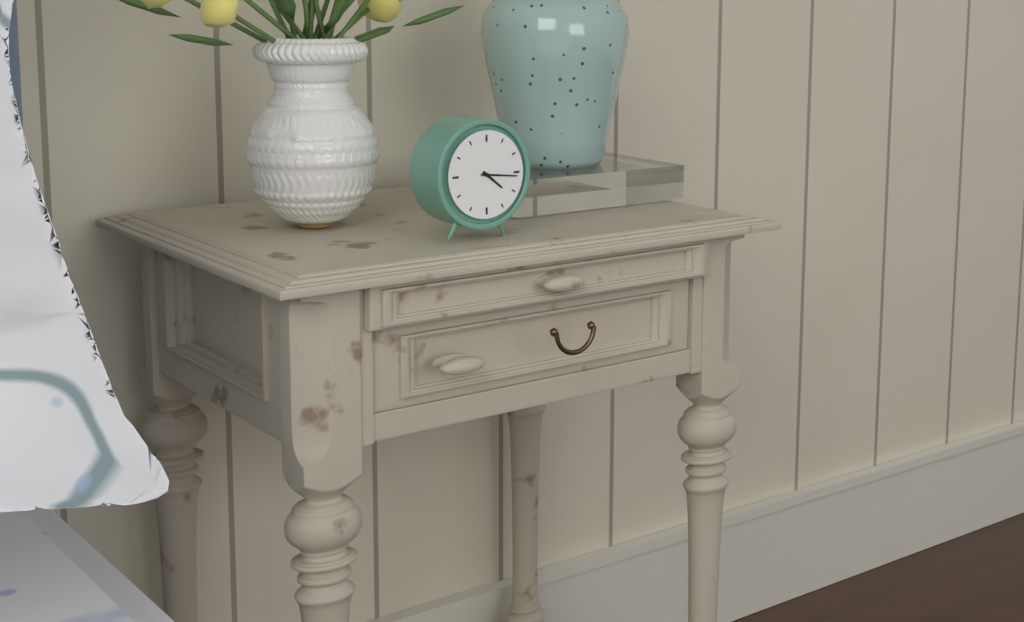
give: {"hour": 4, "minute": 16}
